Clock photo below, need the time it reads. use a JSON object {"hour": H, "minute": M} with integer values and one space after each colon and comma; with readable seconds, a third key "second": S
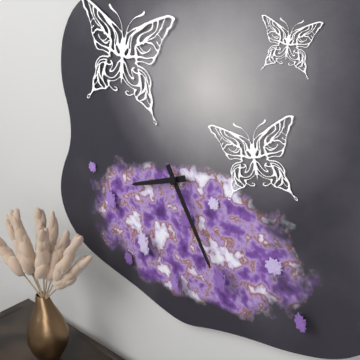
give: {"hour": 8, "minute": 25}
